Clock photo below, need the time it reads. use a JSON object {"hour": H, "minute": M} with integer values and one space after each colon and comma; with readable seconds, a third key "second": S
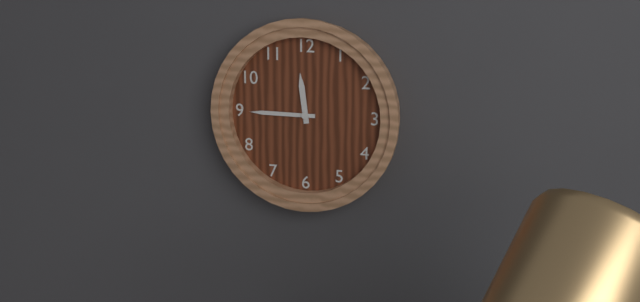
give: {"hour": 11, "minute": 45}
